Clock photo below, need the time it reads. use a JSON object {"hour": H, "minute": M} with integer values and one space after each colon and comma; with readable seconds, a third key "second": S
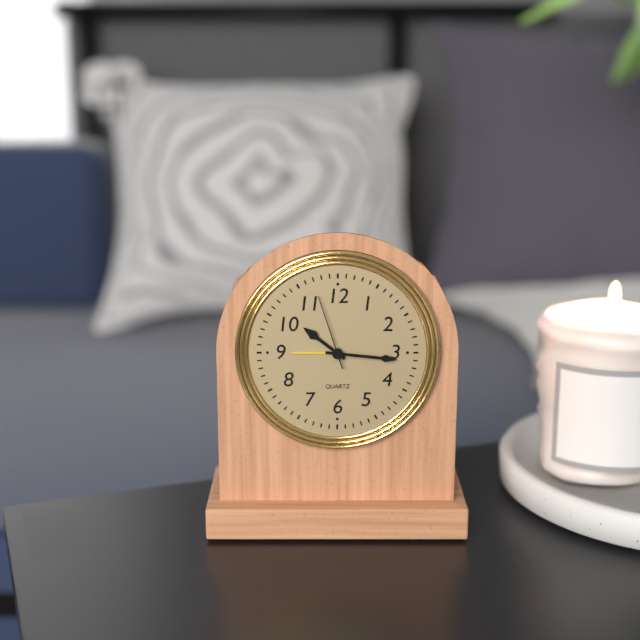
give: {"hour": 10, "minute": 16, "second": 57}
